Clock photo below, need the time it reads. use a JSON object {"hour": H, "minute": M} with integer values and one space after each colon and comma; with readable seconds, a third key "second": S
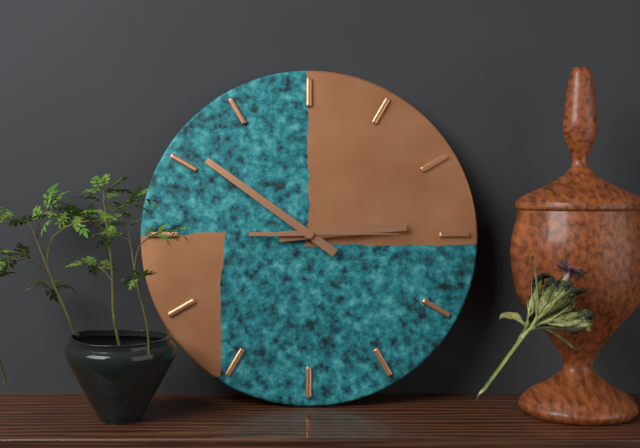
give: {"hour": 2, "minute": 51, "second": 15}
